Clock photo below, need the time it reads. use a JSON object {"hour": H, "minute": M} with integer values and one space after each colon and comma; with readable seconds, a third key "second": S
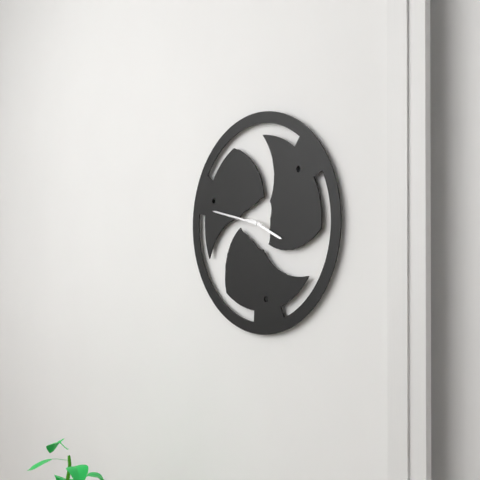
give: {"hour": 3, "minute": 47}
